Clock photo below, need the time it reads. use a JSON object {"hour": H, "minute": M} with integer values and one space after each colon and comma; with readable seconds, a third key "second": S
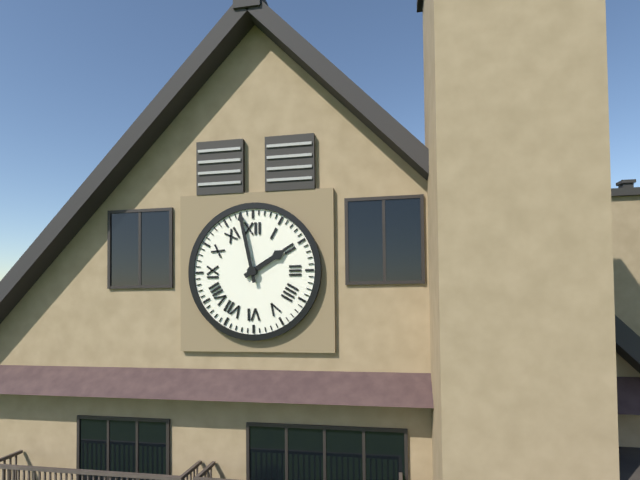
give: {"hour": 1, "minute": 58}
